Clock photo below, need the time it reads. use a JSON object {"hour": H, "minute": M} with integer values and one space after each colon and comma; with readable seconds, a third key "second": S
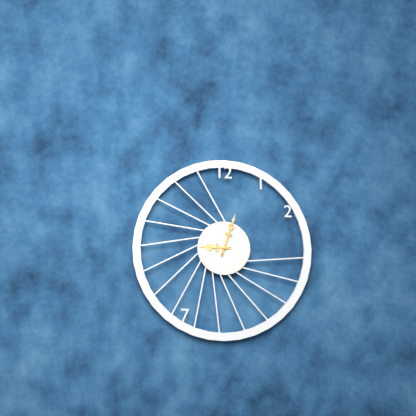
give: {"hour": 9, "minute": 3}
